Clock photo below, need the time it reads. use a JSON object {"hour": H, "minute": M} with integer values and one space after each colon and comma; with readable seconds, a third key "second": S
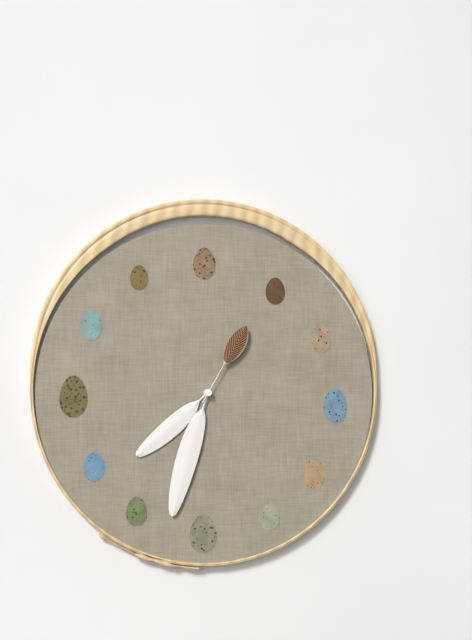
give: {"hour": 7, "minute": 33, "second": 5}
